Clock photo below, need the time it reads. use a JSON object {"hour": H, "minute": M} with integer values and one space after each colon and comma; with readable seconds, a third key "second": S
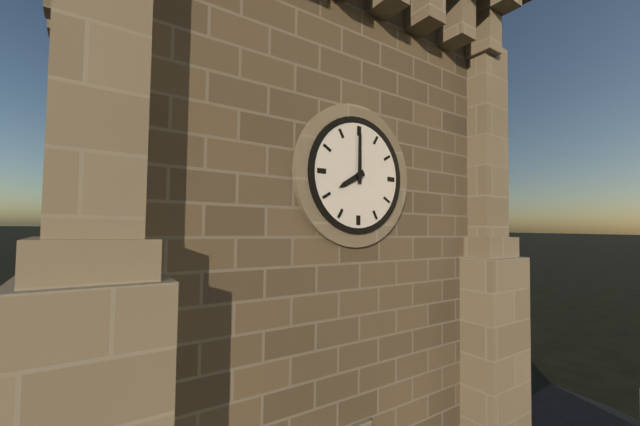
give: {"hour": 8, "minute": 0}
